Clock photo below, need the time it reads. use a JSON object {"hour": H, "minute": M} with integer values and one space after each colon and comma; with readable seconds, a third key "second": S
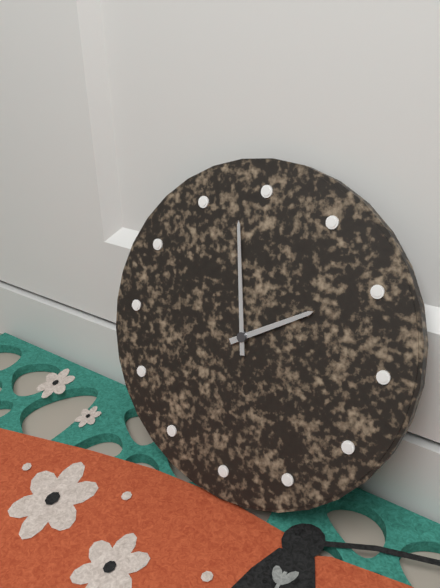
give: {"hour": 1, "minute": 58}
